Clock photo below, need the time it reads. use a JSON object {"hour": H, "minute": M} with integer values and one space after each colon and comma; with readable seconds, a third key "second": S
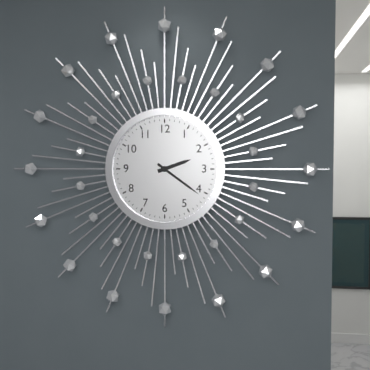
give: {"hour": 2, "minute": 21}
